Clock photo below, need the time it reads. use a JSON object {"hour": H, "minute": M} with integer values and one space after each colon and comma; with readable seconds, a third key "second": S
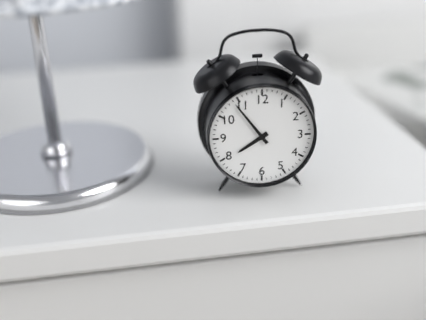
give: {"hour": 7, "minute": 54}
